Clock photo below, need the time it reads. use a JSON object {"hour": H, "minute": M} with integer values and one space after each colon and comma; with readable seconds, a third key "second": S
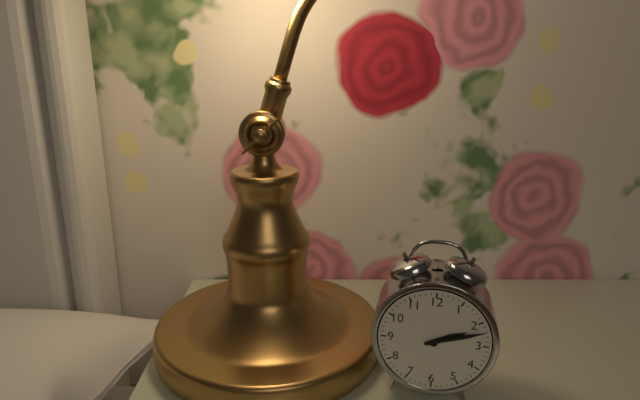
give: {"hour": 2, "minute": 12}
